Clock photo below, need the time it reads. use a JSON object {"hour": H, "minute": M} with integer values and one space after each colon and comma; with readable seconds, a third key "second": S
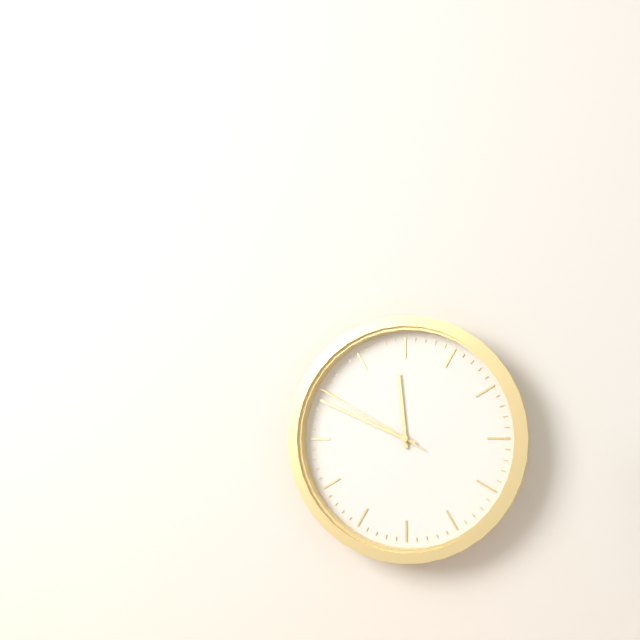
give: {"hour": 11, "minute": 49, "second": 50}
